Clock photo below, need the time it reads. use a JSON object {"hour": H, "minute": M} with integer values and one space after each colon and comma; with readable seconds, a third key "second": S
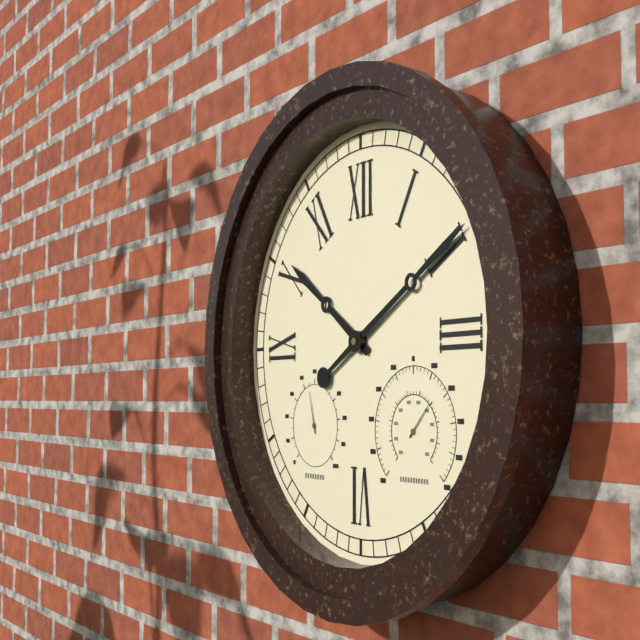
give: {"hour": 10, "minute": 10}
